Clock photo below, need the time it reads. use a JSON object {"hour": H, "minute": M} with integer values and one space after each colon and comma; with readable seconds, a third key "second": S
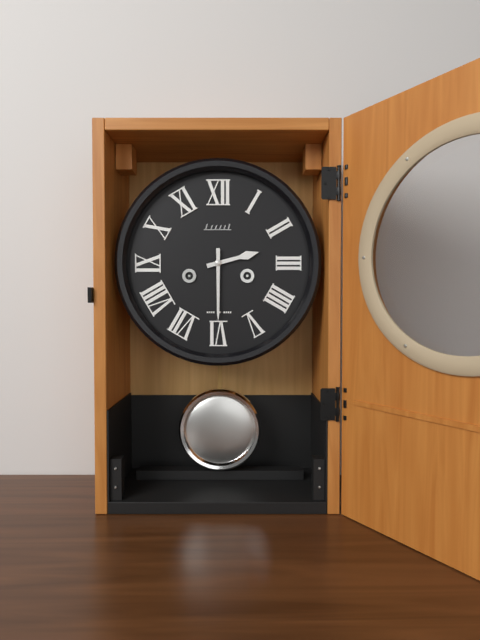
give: {"hour": 2, "minute": 30}
